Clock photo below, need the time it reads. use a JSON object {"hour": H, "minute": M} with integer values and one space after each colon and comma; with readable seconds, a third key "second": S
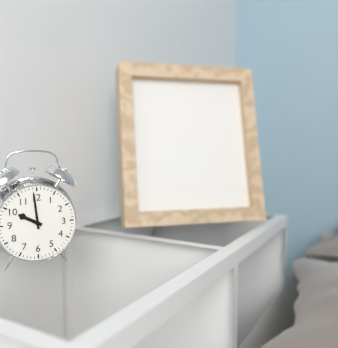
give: {"hour": 9, "minute": 59}
